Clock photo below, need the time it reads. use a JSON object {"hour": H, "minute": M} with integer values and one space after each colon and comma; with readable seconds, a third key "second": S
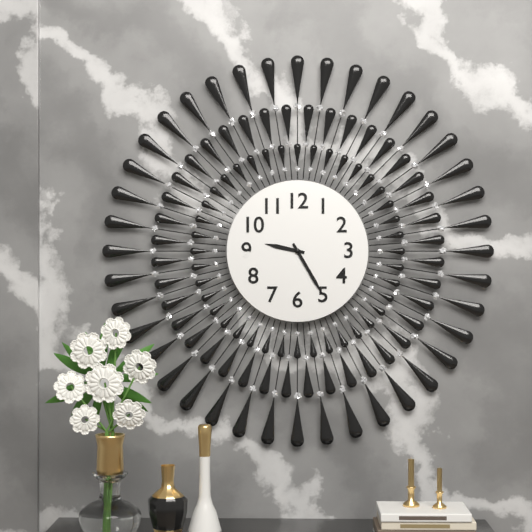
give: {"hour": 9, "minute": 25}
